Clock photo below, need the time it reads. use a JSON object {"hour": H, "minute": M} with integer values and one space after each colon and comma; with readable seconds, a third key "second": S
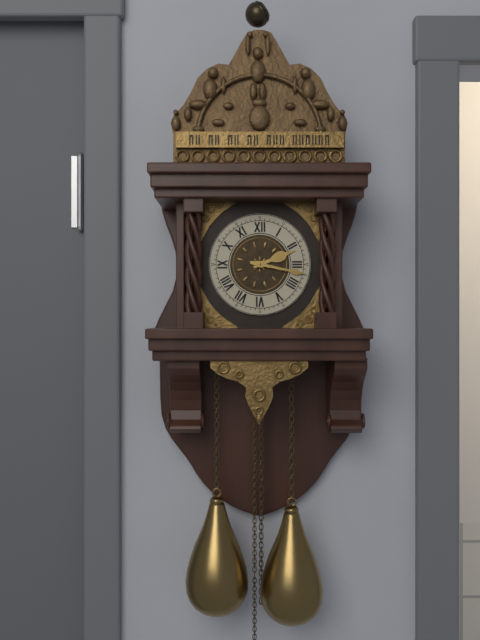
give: {"hour": 2, "minute": 17}
